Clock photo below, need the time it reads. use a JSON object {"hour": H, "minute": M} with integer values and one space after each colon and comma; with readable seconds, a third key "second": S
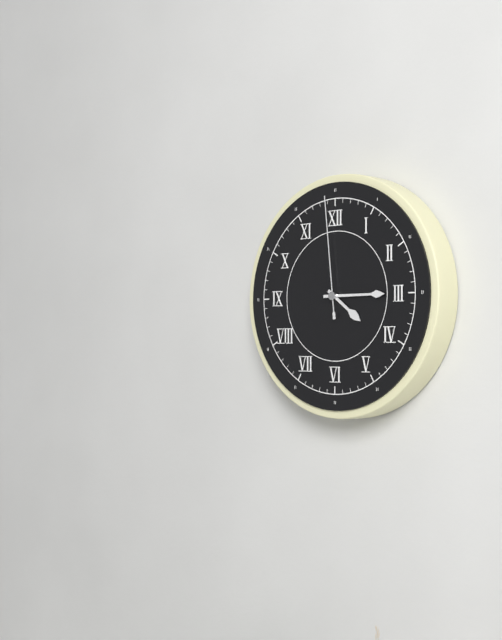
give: {"hour": 4, "minute": 15, "second": 59}
